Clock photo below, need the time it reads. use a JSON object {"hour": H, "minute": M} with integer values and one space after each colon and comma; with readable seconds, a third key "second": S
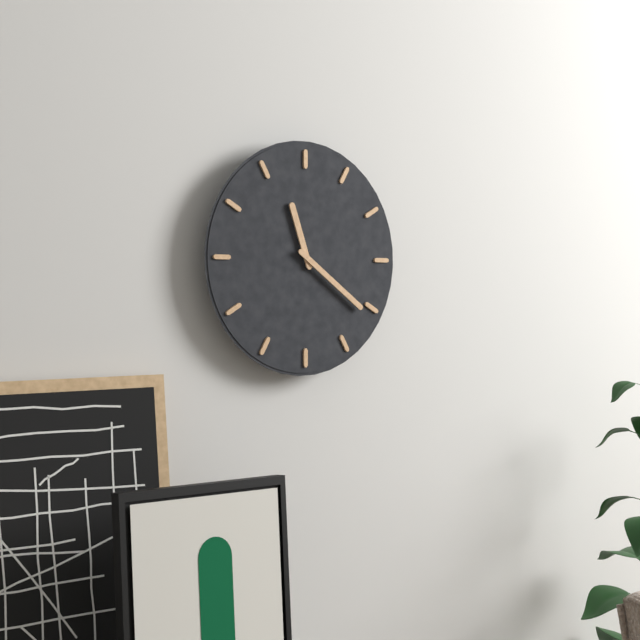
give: {"hour": 11, "minute": 21}
